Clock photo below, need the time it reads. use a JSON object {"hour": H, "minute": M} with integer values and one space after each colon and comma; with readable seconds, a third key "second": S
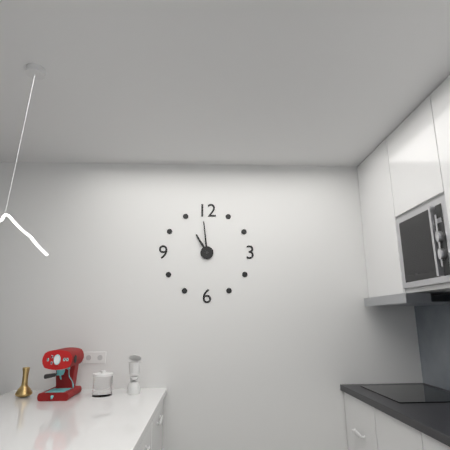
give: {"hour": 10, "minute": 59}
